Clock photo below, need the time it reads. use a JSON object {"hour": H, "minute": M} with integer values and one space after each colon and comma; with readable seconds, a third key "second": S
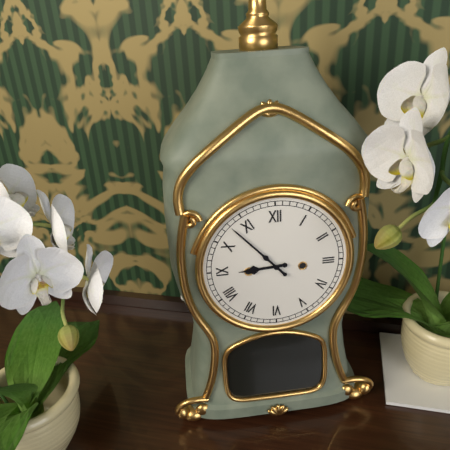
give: {"hour": 8, "minute": 53}
